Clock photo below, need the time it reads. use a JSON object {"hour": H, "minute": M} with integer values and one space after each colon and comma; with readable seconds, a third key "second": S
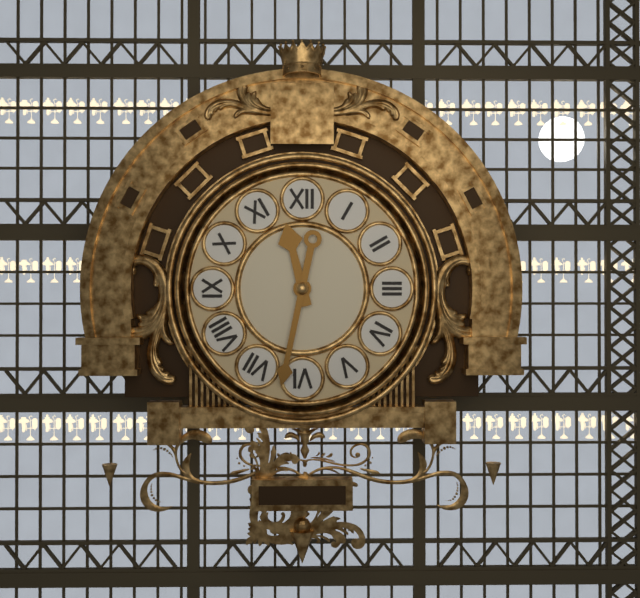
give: {"hour": 11, "minute": 32}
